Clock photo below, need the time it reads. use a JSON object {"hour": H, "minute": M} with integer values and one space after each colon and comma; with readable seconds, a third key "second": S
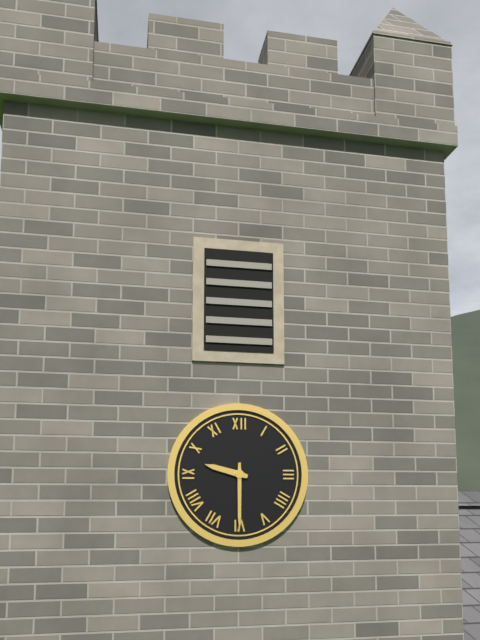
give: {"hour": 9, "minute": 30}
